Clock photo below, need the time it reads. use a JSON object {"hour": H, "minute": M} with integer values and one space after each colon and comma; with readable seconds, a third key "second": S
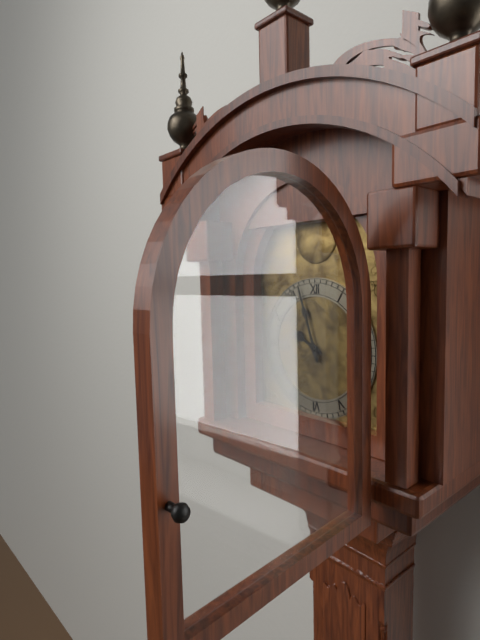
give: {"hour": 9, "minute": 57}
